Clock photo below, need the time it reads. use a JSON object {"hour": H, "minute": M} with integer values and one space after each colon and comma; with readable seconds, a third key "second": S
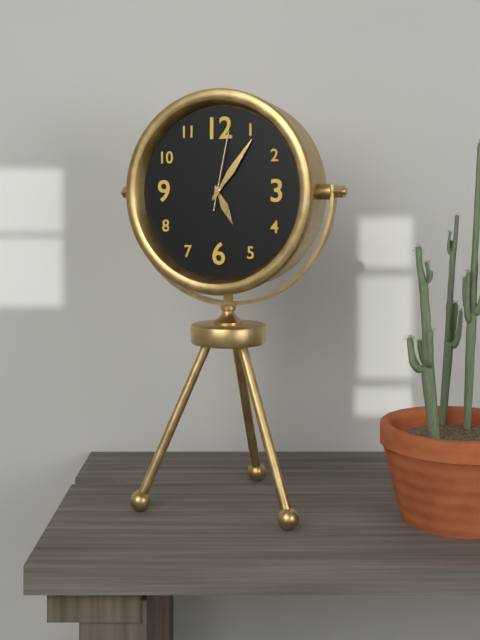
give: {"hour": 5, "minute": 6, "second": 2}
